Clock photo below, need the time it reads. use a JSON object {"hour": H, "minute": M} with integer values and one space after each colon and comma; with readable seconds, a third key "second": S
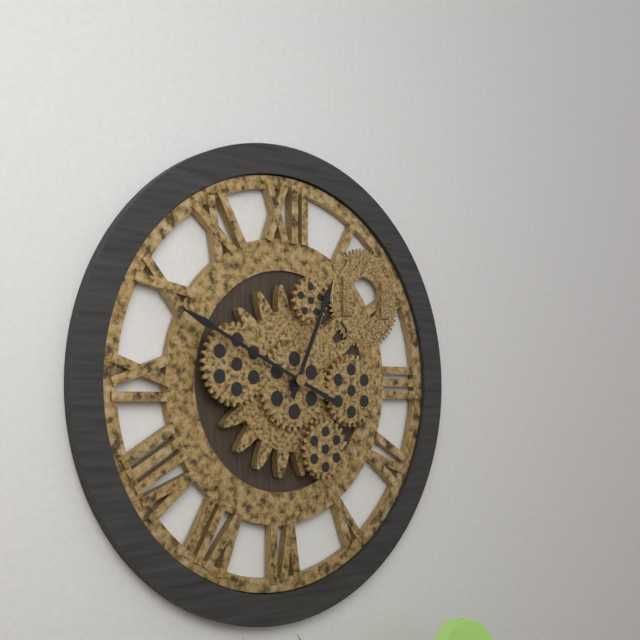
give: {"hour": 12, "minute": 49}
